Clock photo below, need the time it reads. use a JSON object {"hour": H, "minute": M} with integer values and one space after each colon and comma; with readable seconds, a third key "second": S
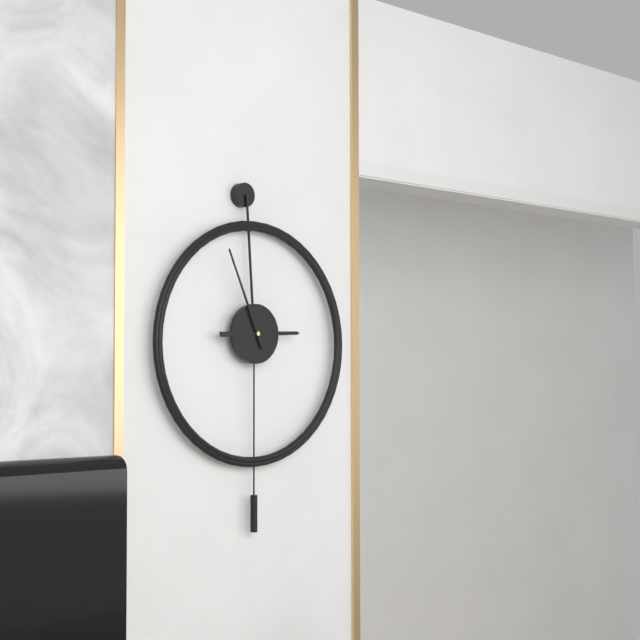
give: {"hour": 2, "minute": 56}
